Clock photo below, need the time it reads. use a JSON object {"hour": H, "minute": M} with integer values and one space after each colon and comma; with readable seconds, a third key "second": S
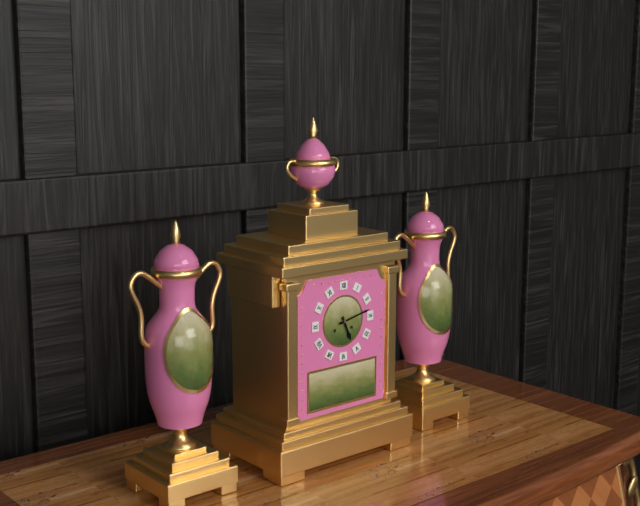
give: {"hour": 5, "minute": 13}
